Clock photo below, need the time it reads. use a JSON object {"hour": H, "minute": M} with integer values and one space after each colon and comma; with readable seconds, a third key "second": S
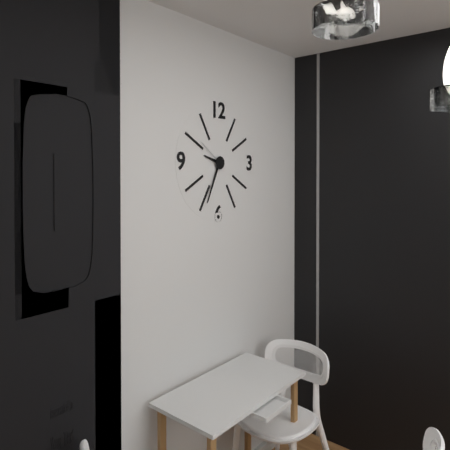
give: {"hour": 9, "minute": 34}
